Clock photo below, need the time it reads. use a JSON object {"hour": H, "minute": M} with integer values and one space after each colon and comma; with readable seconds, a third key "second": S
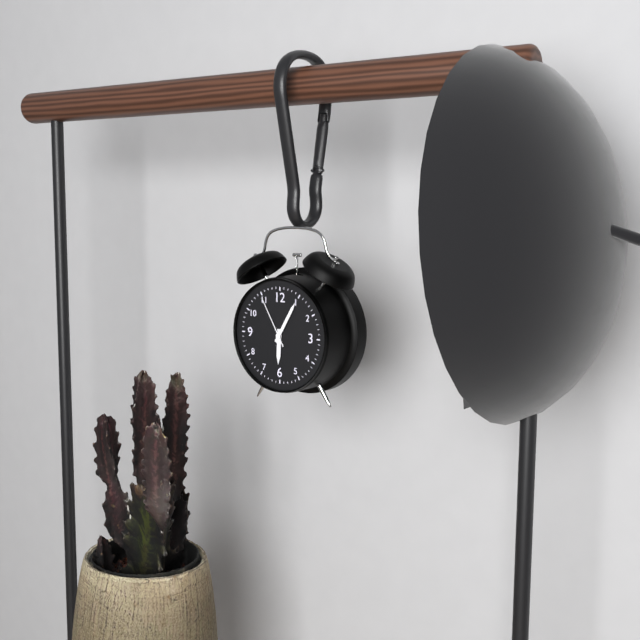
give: {"hour": 6, "minute": 5, "second": 55}
